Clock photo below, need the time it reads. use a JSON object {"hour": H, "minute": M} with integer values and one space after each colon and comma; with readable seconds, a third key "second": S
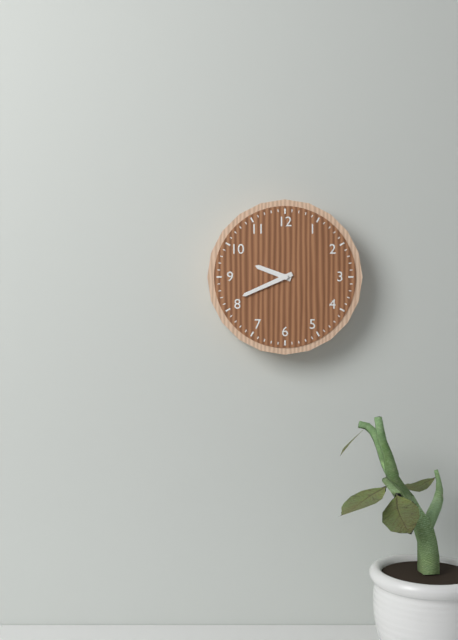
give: {"hour": 9, "minute": 41}
